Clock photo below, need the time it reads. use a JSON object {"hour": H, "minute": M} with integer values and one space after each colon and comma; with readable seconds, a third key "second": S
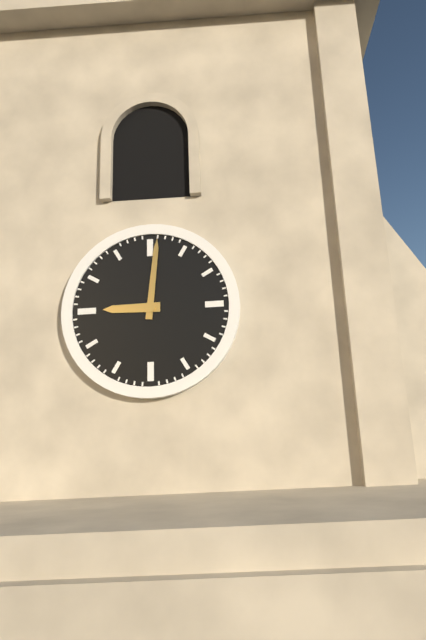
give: {"hour": 9, "minute": 1}
